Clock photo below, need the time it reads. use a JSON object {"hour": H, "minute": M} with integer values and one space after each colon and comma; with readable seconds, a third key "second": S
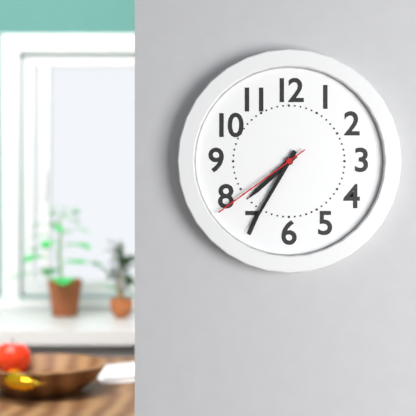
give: {"hour": 7, "minute": 35, "second": 39}
